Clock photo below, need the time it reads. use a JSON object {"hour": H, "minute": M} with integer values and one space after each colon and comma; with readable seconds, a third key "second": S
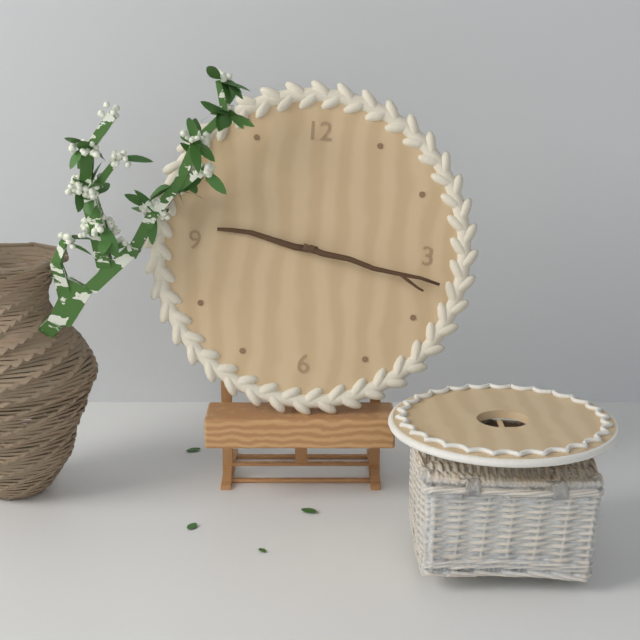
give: {"hour": 9, "minute": 17}
